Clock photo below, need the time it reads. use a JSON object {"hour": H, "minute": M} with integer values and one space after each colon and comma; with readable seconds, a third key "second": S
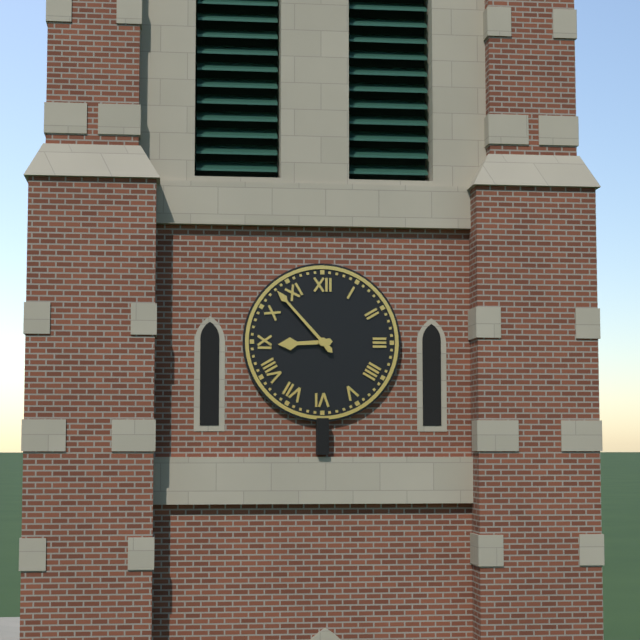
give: {"hour": 8, "minute": 53}
